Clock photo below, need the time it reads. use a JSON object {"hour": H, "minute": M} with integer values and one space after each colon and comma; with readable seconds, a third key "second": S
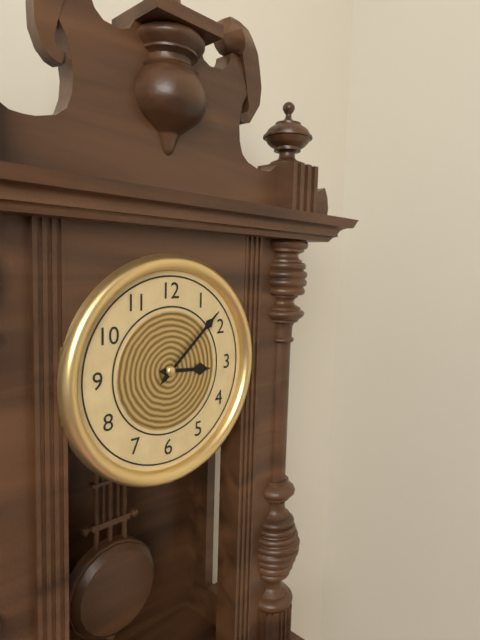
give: {"hour": 3, "minute": 8}
